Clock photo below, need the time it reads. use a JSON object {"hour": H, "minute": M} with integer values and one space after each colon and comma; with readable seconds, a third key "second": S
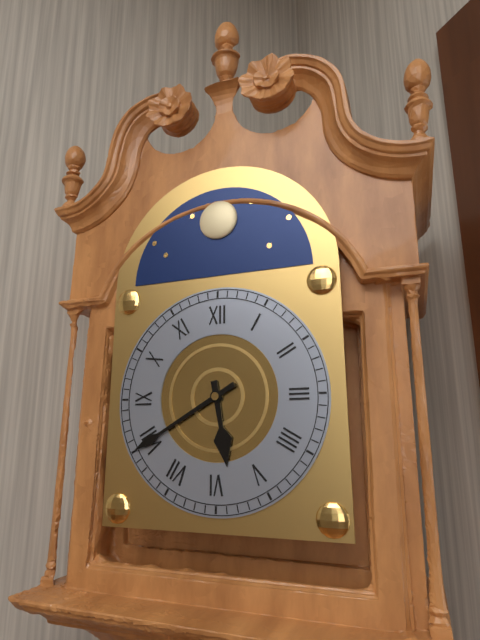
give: {"hour": 5, "minute": 40}
